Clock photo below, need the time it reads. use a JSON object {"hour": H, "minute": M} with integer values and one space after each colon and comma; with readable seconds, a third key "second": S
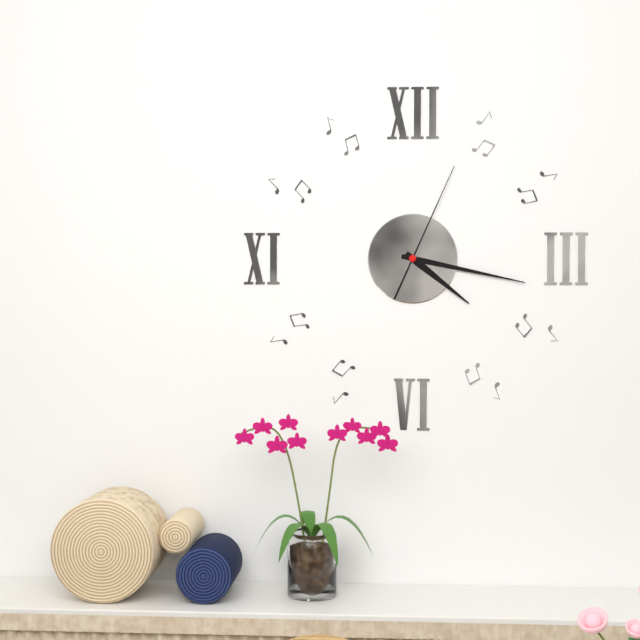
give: {"hour": 4, "minute": 17, "second": 4}
